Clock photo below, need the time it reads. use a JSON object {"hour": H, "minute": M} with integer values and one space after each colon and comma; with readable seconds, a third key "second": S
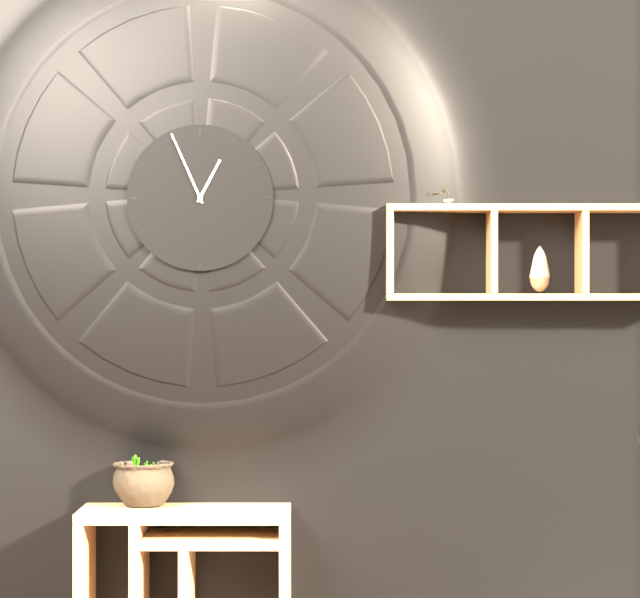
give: {"hour": 12, "minute": 56}
